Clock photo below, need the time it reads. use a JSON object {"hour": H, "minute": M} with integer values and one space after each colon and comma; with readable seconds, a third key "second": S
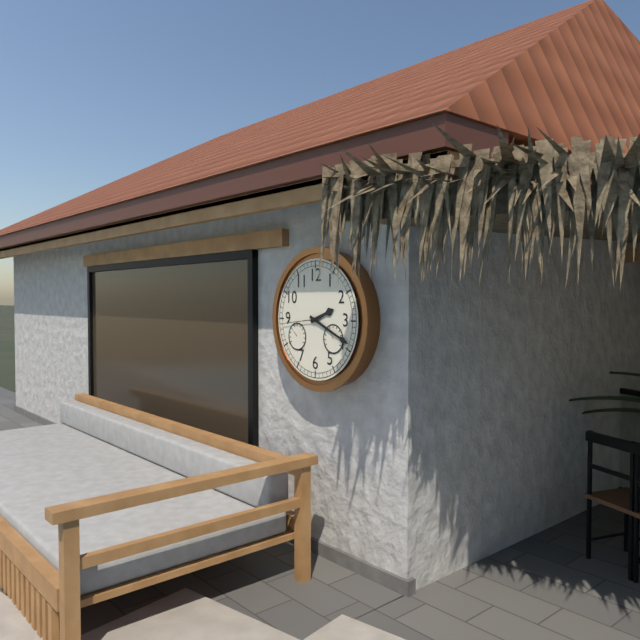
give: {"hour": 2, "minute": 19}
